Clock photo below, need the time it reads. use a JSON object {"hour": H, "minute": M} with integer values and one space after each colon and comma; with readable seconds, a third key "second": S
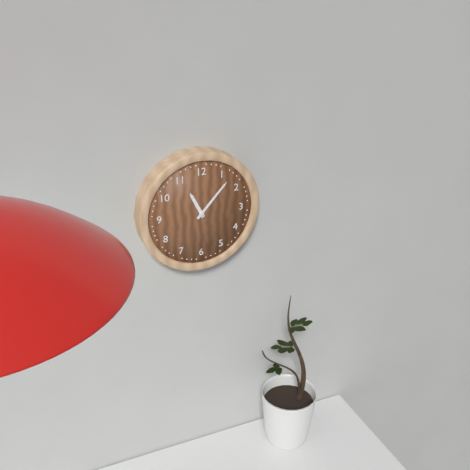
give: {"hour": 11, "minute": 7}
